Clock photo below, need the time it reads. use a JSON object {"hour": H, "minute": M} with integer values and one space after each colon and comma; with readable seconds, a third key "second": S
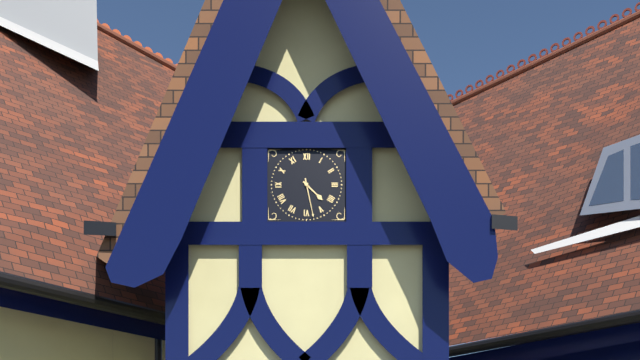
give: {"hour": 4, "minute": 28}
